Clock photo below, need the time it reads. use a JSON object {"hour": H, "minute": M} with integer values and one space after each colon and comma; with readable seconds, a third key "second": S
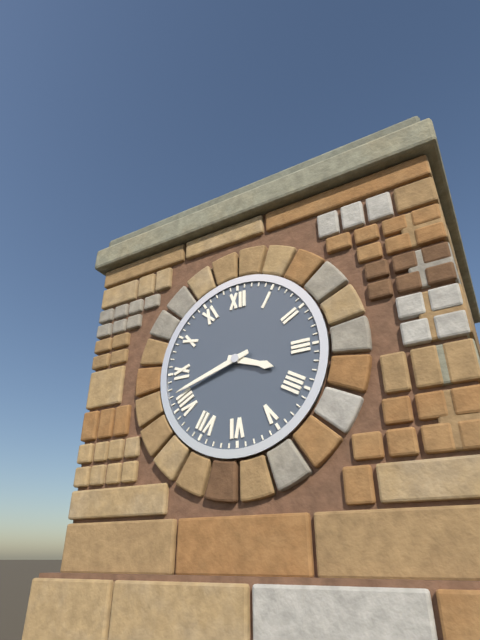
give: {"hour": 3, "minute": 42}
